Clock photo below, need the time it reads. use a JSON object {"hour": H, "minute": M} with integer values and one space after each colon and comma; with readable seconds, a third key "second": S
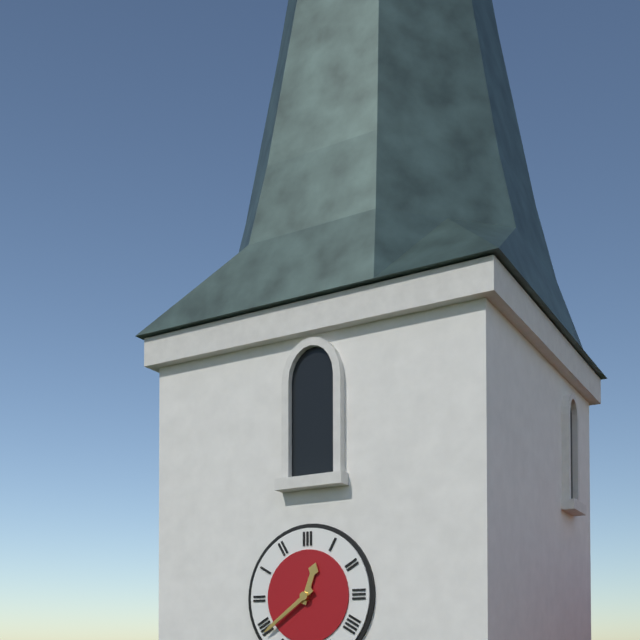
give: {"hour": 12, "minute": 39}
